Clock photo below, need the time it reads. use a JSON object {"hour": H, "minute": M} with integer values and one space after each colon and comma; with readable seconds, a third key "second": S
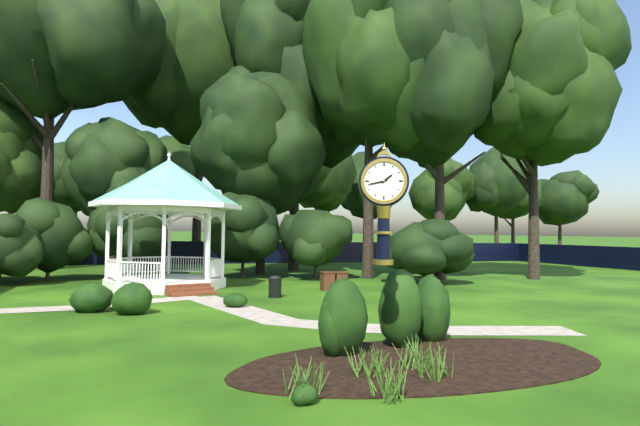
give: {"hour": 1, "minute": 43}
